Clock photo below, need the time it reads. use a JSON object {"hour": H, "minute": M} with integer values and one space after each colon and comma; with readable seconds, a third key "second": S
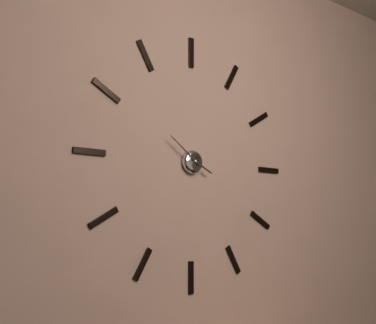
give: {"hour": 3, "minute": 51}
